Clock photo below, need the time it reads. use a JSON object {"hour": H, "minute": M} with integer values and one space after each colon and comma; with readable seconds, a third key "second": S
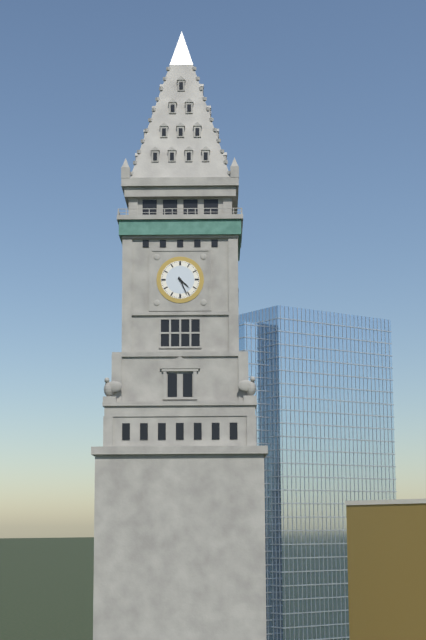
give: {"hour": 4, "minute": 26}
